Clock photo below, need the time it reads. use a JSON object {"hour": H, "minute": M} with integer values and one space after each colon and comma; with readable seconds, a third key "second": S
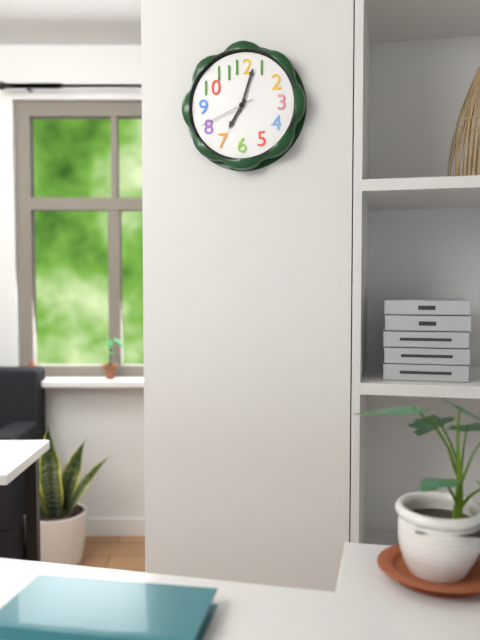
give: {"hour": 7, "minute": 3, "second": 41}
